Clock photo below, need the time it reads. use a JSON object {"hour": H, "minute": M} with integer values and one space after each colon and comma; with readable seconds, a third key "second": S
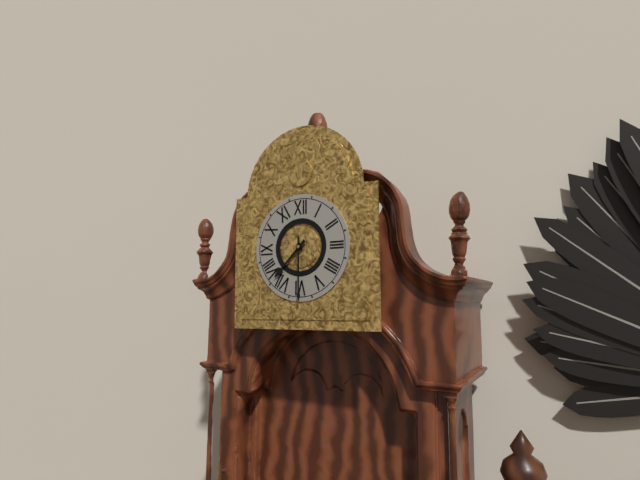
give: {"hour": 7, "minute": 30}
